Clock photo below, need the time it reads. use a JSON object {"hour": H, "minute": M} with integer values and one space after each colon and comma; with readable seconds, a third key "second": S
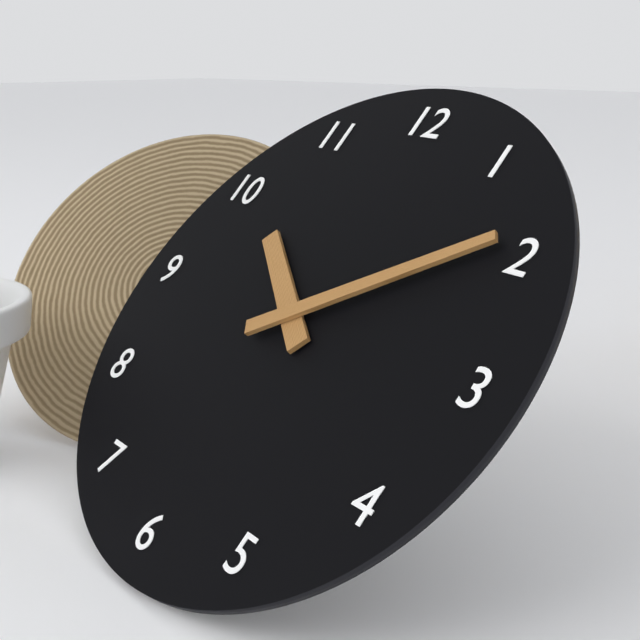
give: {"hour": 10, "minute": 9}
